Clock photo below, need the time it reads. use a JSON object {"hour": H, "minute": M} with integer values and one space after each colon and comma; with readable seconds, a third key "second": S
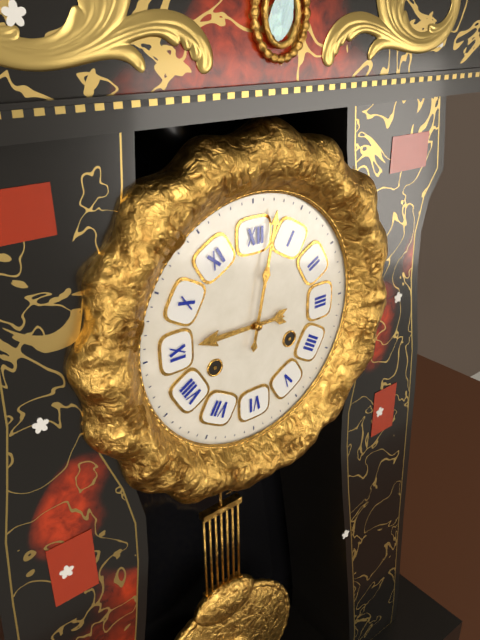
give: {"hour": 9, "minute": 2}
